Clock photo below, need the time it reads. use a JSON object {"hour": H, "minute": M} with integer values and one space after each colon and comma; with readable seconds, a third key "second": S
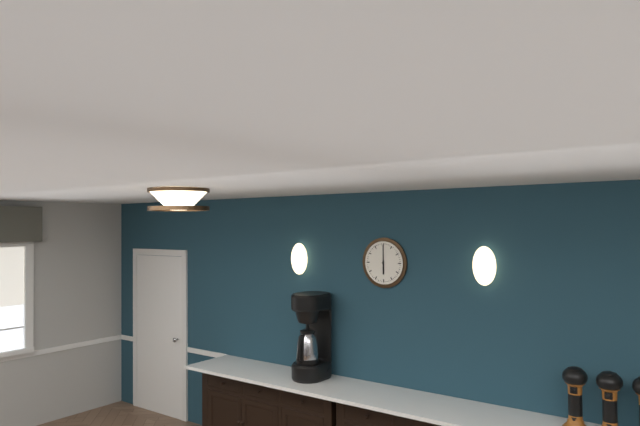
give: {"hour": 6, "minute": 0}
